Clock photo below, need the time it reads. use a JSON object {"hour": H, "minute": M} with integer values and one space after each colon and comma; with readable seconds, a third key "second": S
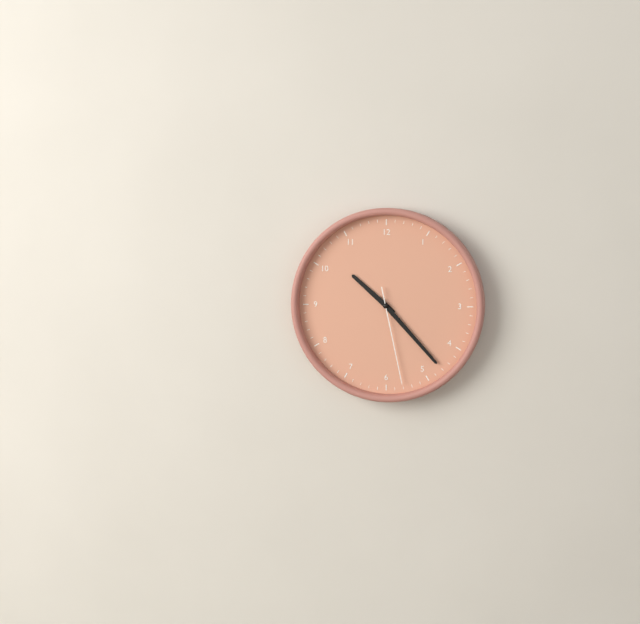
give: {"hour": 10, "minute": 23, "second": 28}
